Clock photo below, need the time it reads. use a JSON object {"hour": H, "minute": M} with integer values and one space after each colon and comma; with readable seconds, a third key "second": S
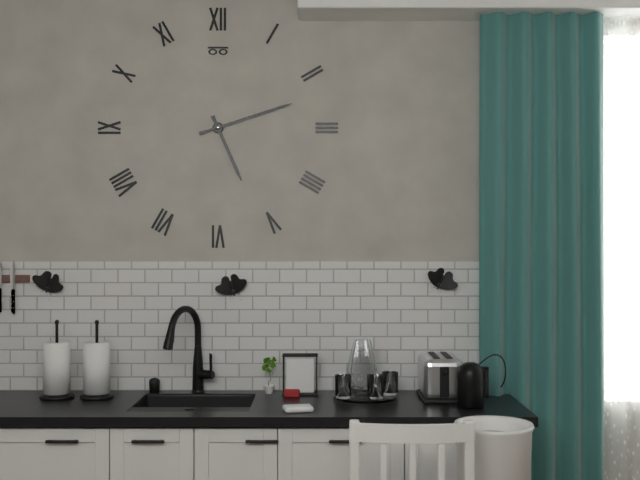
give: {"hour": 5, "minute": 12}
